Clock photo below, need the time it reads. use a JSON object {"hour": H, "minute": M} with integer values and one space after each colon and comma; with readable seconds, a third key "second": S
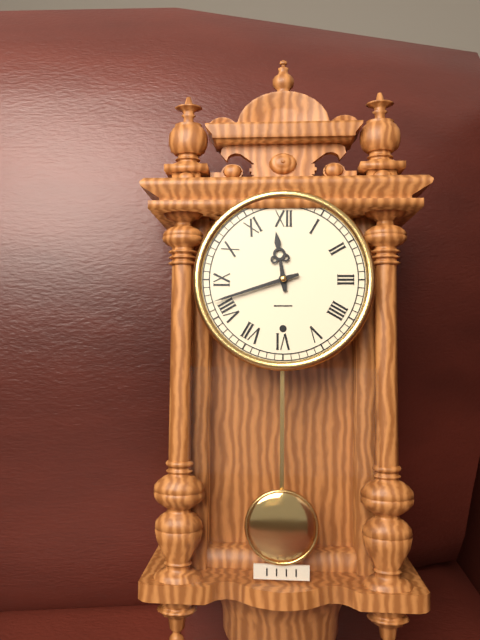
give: {"hour": 11, "minute": 42}
